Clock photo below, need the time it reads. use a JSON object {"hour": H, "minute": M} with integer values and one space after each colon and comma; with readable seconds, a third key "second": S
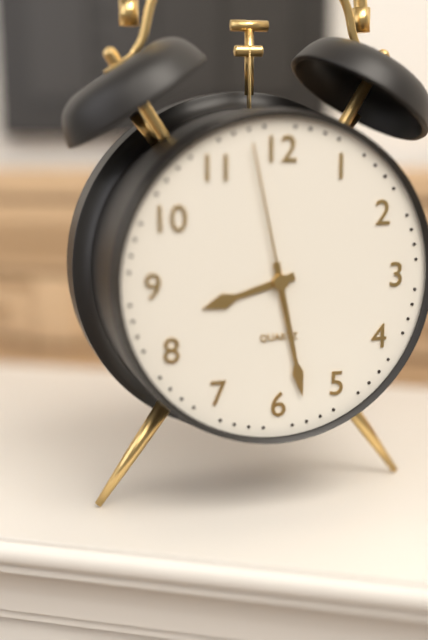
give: {"hour": 8, "minute": 28, "second": 58}
